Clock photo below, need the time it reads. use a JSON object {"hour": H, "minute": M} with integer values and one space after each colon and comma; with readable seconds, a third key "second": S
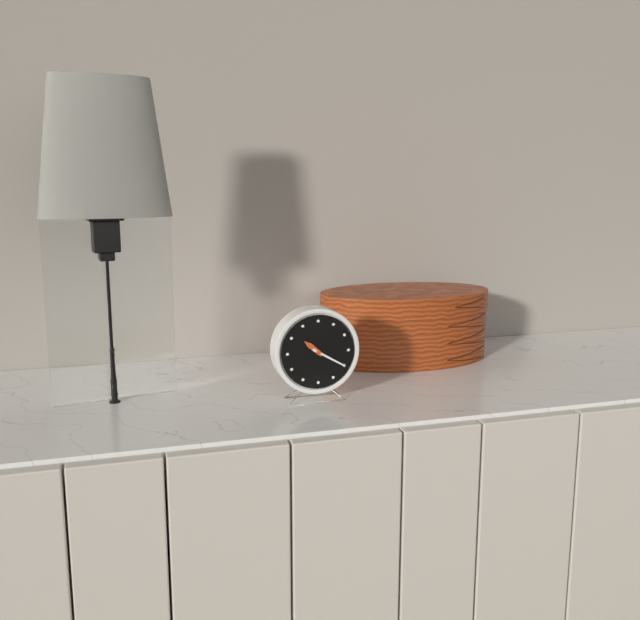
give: {"hour": 10, "minute": 20}
